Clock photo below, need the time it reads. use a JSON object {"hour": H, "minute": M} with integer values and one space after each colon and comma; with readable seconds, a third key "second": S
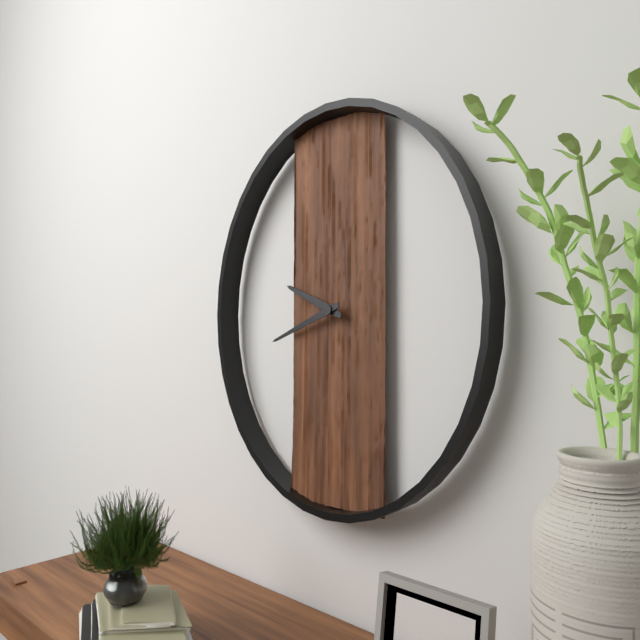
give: {"hour": 9, "minute": 42}
